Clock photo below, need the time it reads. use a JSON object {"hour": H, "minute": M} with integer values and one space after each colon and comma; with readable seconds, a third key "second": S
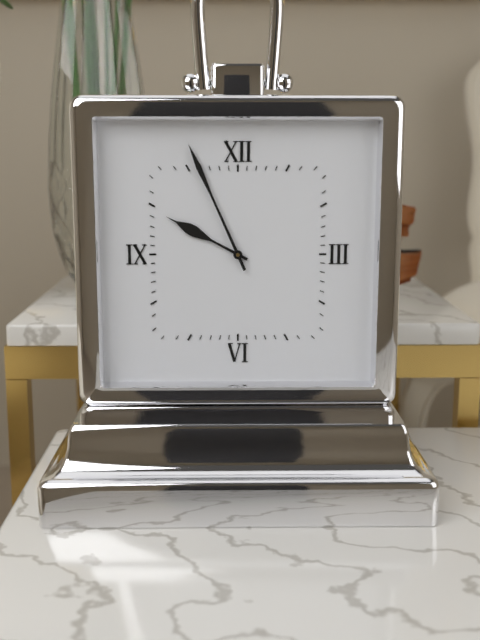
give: {"hour": 9, "minute": 56}
